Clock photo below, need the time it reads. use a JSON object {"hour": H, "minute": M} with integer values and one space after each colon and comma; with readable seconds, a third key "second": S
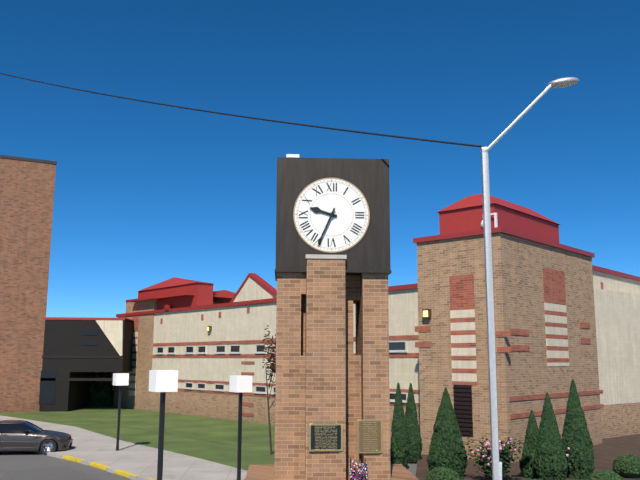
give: {"hour": 9, "minute": 34}
